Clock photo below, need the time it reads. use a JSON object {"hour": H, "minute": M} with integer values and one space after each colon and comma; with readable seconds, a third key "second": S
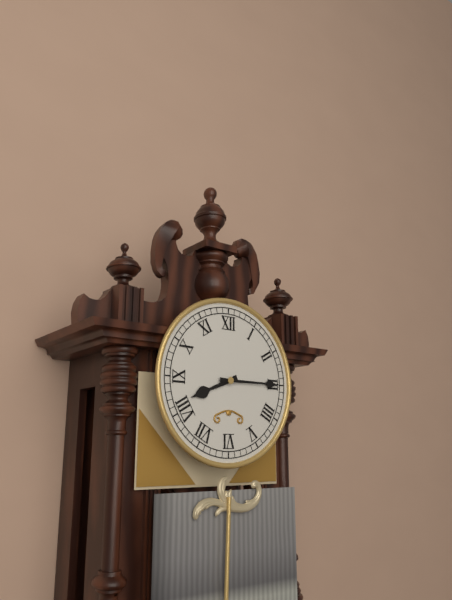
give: {"hour": 8, "minute": 15}
